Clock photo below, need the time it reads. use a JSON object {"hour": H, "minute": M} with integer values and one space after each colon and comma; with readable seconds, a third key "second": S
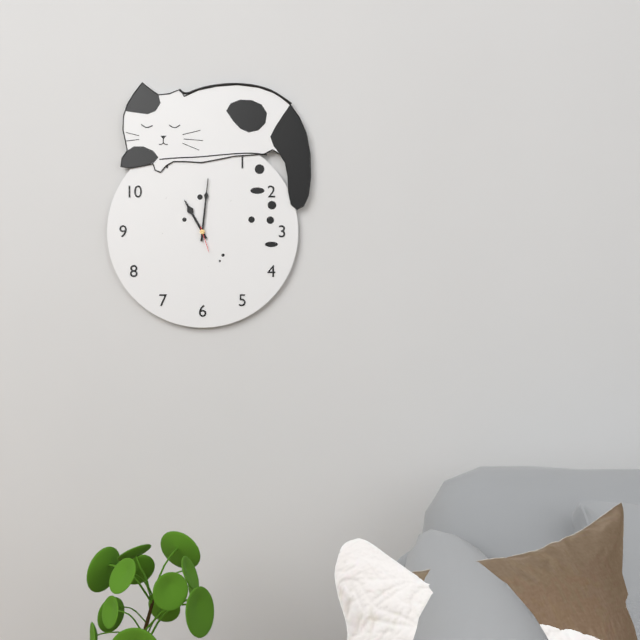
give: {"hour": 11, "minute": 1}
